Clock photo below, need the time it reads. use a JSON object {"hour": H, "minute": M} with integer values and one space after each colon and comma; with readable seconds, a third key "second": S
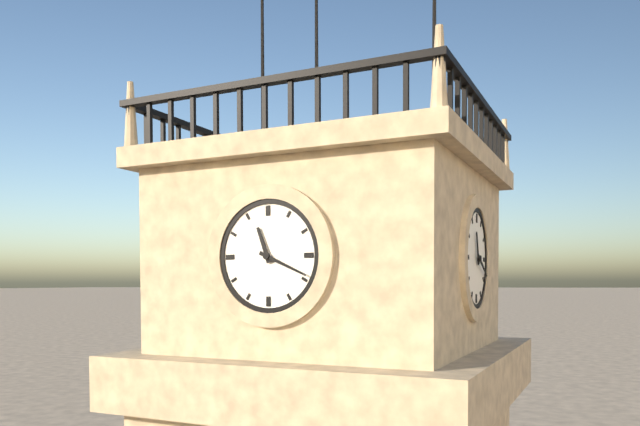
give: {"hour": 11, "minute": 19}
